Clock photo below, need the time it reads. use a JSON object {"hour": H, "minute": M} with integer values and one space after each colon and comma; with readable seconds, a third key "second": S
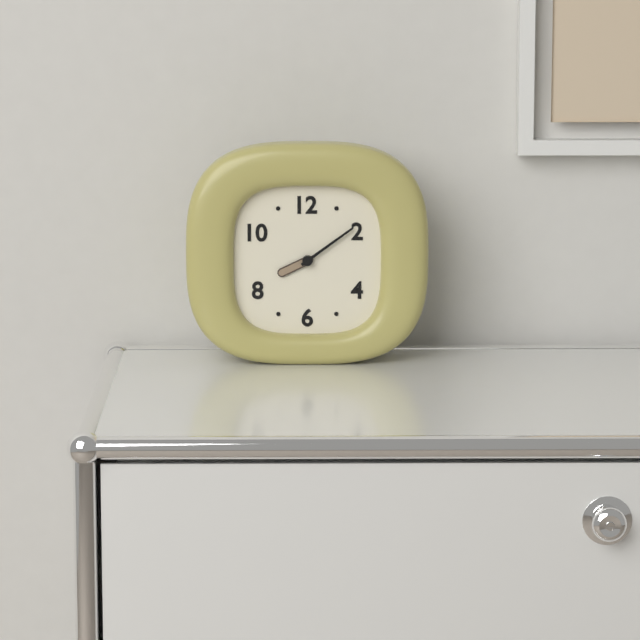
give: {"hour": 8, "minute": 9}
